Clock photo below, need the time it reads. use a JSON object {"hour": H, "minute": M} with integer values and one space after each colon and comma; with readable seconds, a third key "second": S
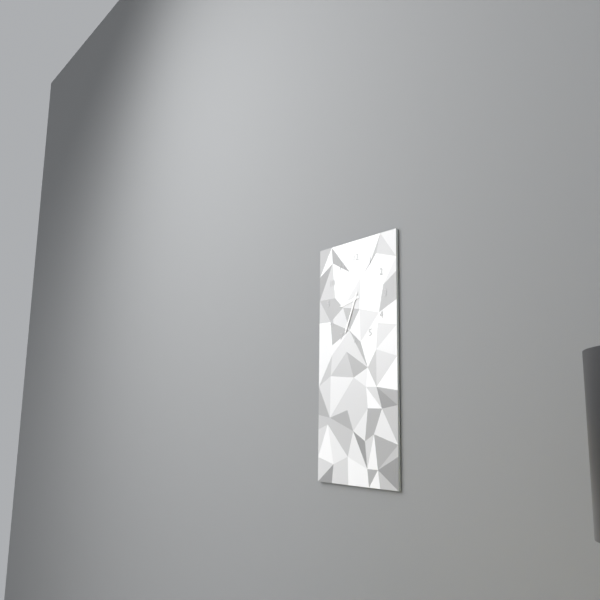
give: {"hour": 8, "minute": 34}
